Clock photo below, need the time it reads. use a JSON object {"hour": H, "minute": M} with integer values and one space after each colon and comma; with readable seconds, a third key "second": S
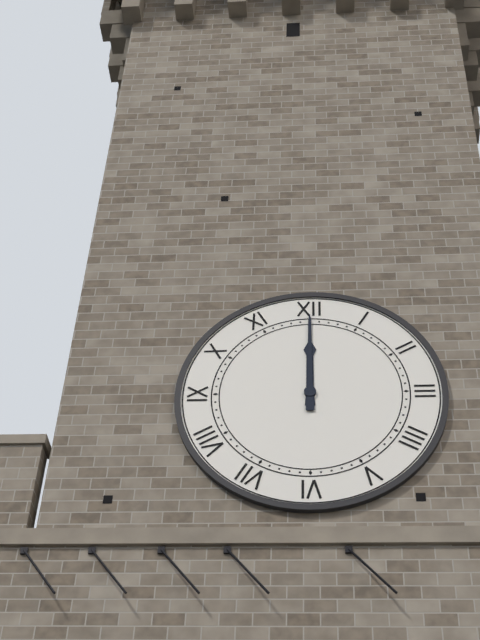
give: {"hour": 12, "minute": 0}
